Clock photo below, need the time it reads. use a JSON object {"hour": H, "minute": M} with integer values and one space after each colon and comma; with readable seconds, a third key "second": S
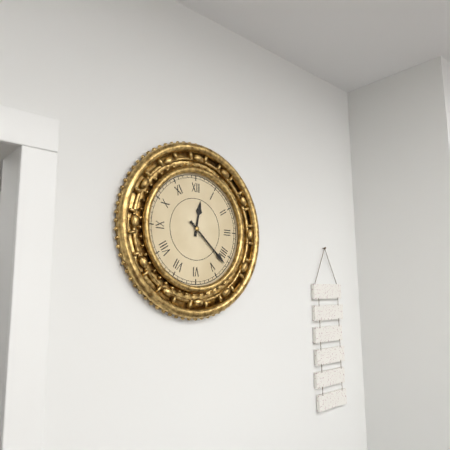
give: {"hour": 12, "minute": 22}
